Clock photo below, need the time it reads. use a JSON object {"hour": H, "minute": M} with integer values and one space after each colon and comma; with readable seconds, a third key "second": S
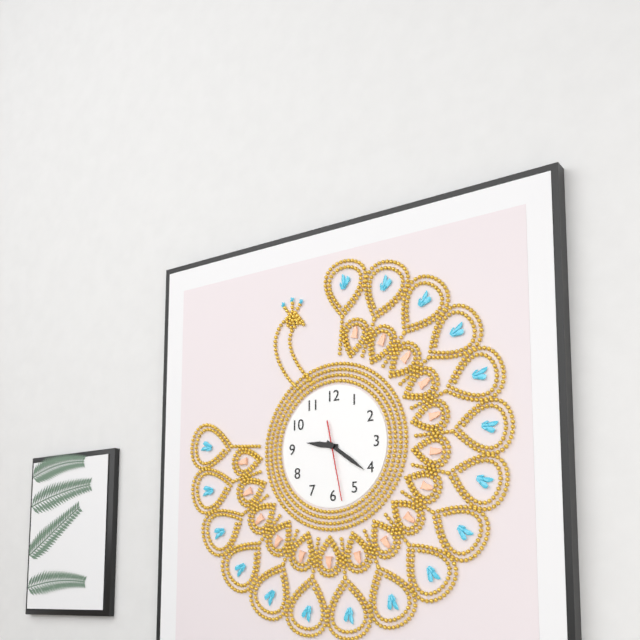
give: {"hour": 9, "minute": 21, "second": 28}
